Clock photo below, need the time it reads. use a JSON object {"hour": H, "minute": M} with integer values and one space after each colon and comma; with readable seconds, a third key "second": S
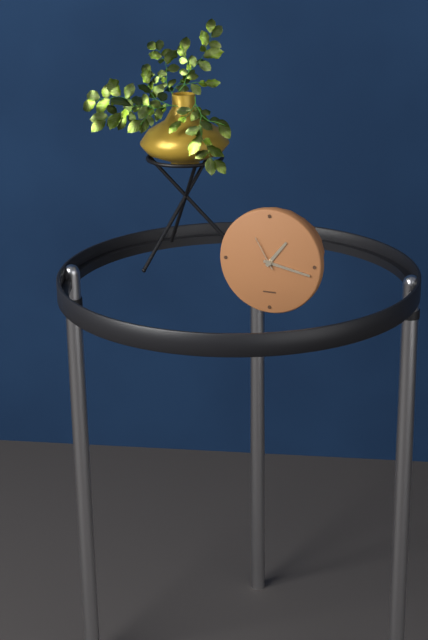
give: {"hour": 1, "minute": 17}
